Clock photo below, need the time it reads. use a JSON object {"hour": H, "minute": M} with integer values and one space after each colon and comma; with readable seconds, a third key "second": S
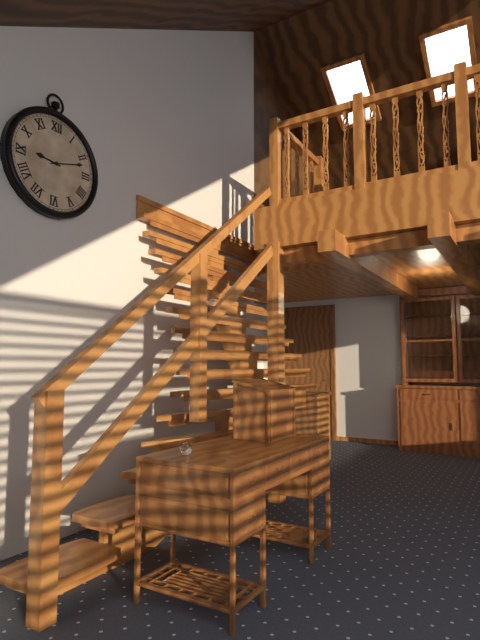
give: {"hour": 9, "minute": 12}
